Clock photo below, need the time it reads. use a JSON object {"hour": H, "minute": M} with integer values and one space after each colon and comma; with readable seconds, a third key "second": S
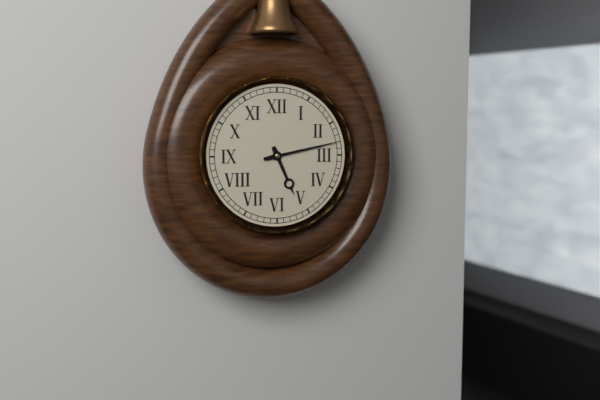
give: {"hour": 5, "minute": 13}
